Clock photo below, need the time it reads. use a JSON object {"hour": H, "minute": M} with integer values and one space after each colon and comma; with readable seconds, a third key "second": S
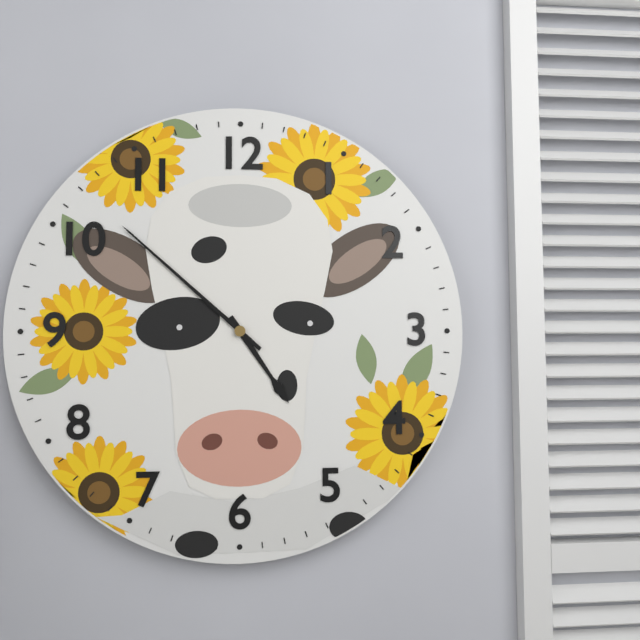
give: {"hour": 4, "minute": 52}
